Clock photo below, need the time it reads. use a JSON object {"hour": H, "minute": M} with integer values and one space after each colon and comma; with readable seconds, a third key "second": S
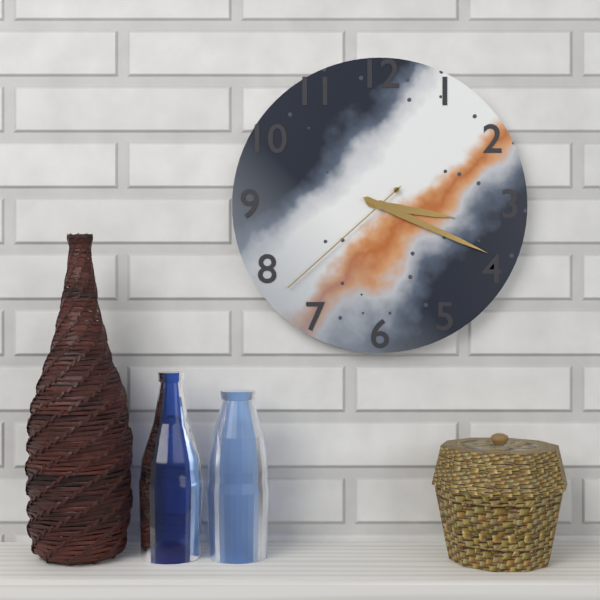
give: {"hour": 3, "minute": 19, "second": 38}
